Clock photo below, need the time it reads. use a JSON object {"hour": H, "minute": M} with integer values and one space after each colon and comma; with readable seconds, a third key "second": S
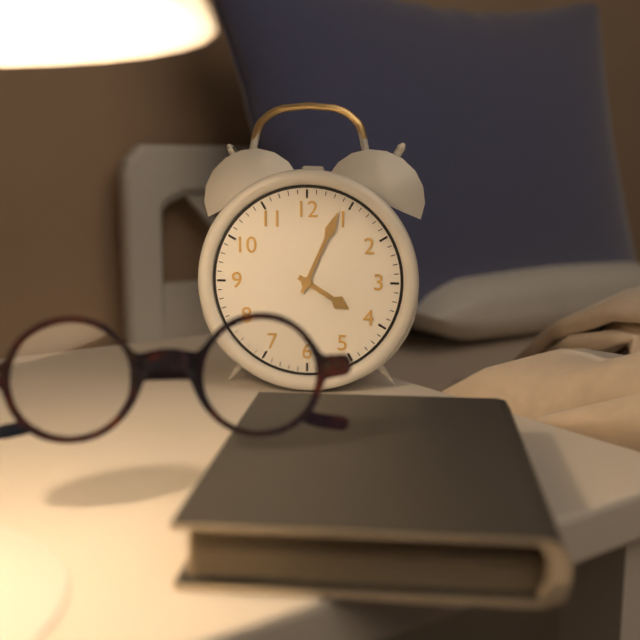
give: {"hour": 4, "minute": 4}
